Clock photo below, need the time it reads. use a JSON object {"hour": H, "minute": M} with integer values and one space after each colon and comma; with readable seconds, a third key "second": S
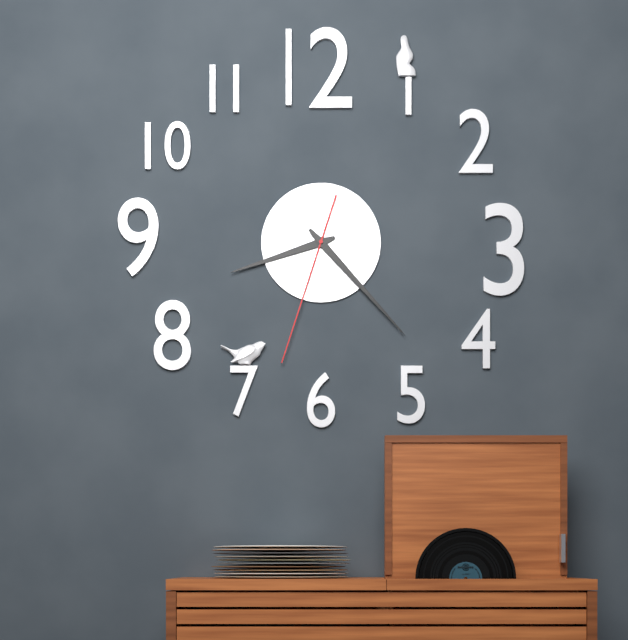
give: {"hour": 8, "minute": 23, "second": 33}
